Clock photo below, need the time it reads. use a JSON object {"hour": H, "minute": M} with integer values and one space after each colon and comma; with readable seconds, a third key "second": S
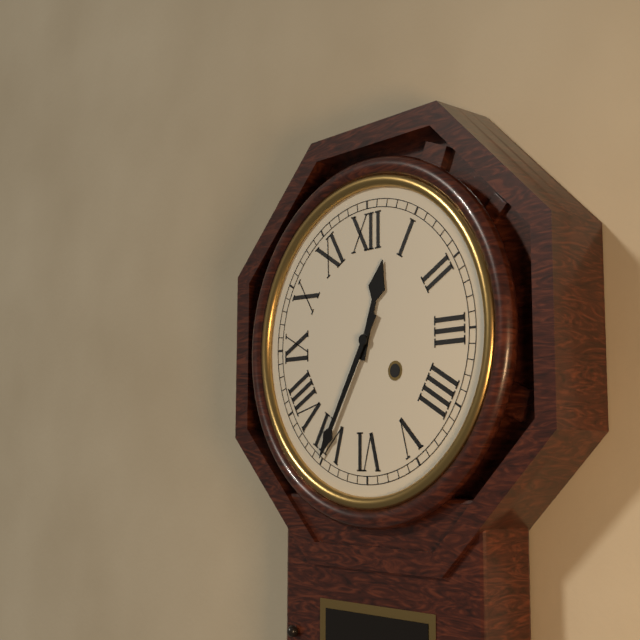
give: {"hour": 12, "minute": 35}
